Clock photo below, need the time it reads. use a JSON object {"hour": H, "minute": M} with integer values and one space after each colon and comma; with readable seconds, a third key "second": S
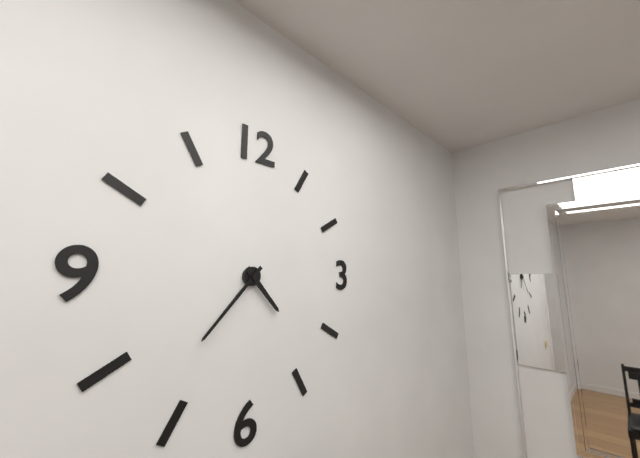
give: {"hour": 4, "minute": 37}
